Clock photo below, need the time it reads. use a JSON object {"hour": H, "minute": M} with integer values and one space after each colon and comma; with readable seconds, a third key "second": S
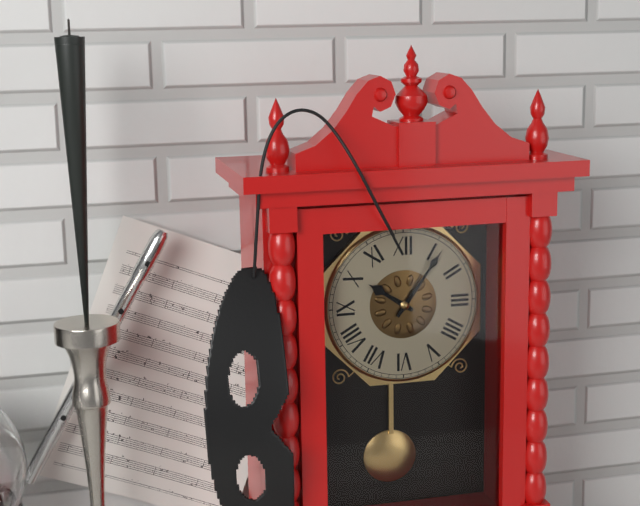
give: {"hour": 10, "minute": 6}
